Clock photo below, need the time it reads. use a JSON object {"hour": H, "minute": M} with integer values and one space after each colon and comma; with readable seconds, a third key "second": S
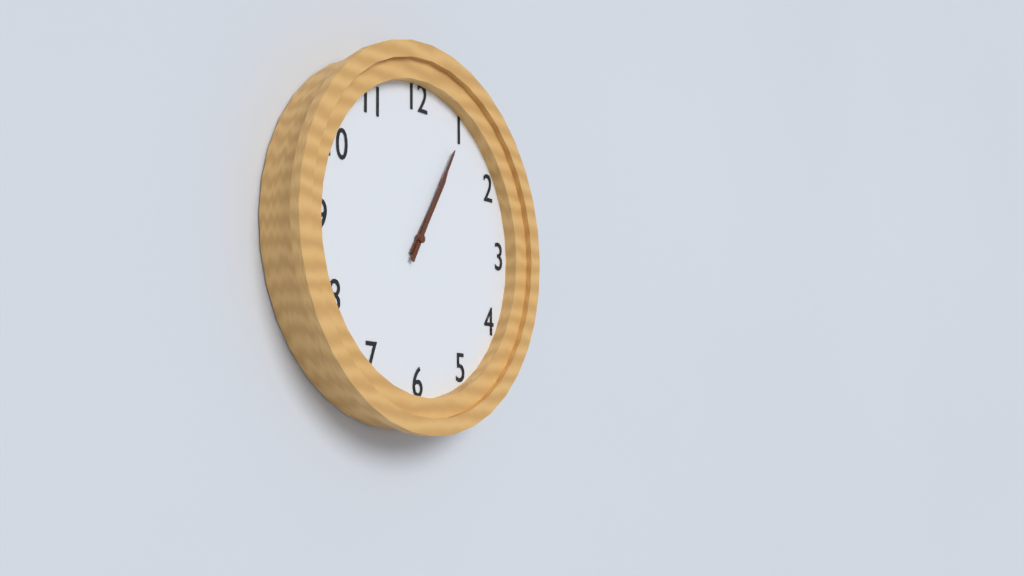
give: {"hour": 1, "minute": 5}
